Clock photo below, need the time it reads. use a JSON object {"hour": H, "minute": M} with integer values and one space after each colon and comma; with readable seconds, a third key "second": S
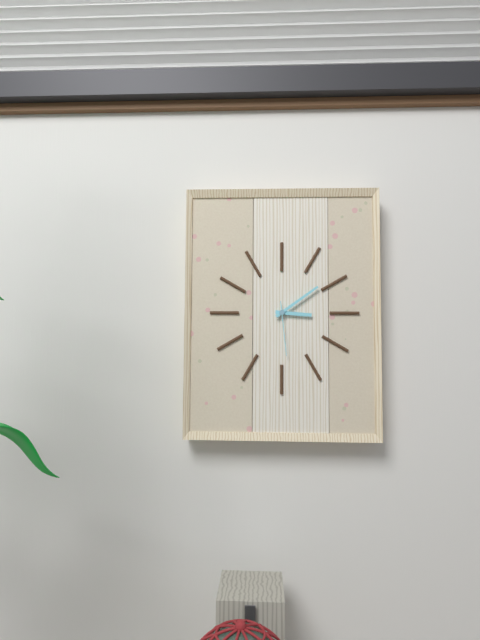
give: {"hour": 3, "minute": 9, "second": 29}
